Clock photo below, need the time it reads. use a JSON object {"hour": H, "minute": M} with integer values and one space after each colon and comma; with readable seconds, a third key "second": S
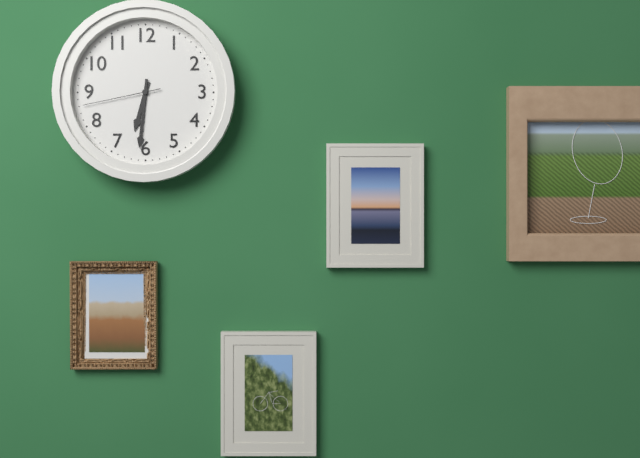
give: {"hour": 6, "minute": 31, "second": 43}
